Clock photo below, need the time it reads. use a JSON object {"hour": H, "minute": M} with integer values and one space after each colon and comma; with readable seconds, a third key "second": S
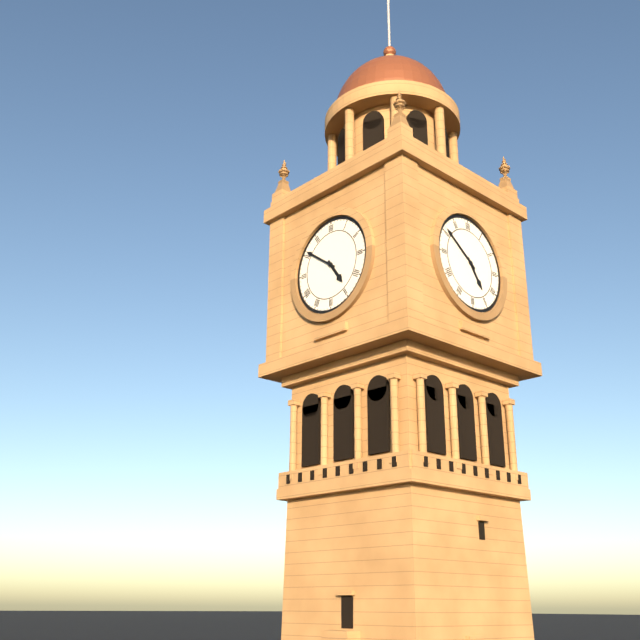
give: {"hour": 4, "minute": 51}
